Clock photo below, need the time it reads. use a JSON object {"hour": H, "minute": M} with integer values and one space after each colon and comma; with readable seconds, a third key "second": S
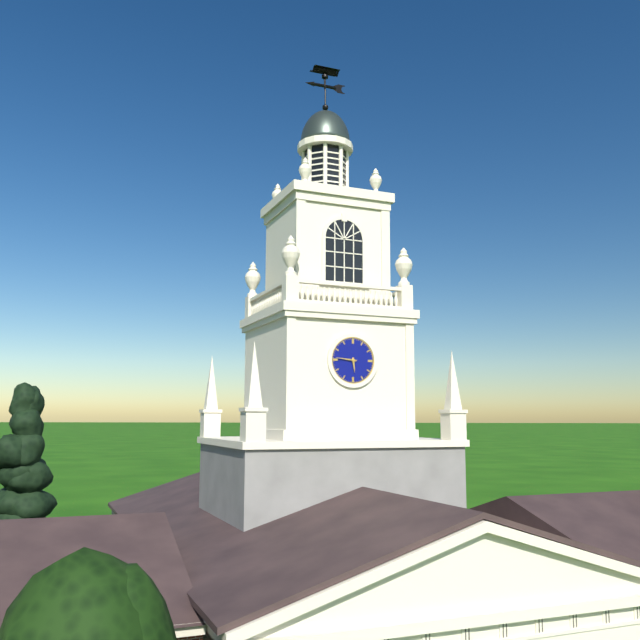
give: {"hour": 5, "minute": 46}
